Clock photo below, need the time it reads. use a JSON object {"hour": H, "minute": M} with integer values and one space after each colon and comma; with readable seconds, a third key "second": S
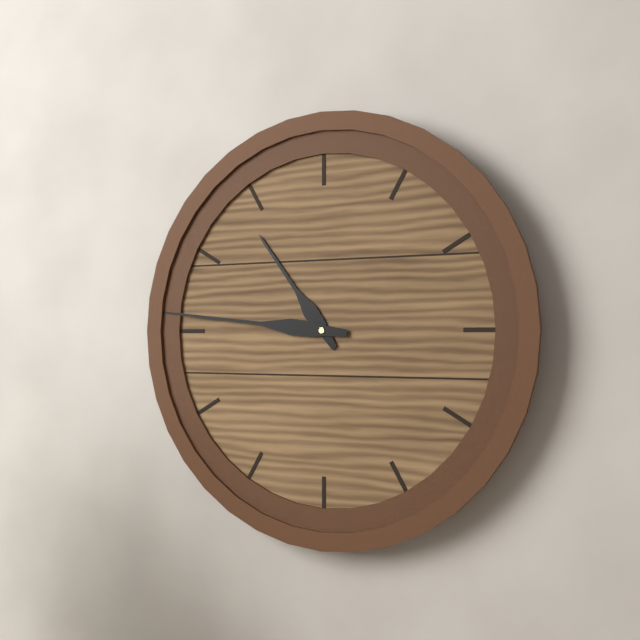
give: {"hour": 10, "minute": 46}
